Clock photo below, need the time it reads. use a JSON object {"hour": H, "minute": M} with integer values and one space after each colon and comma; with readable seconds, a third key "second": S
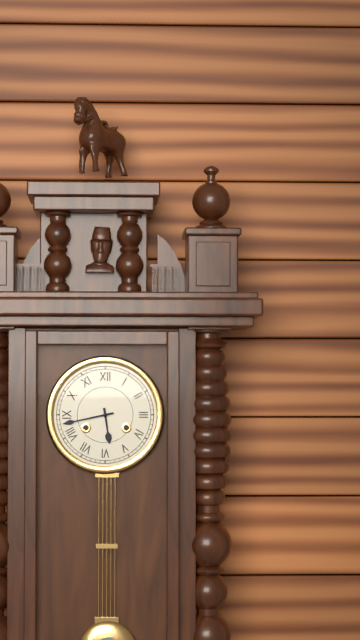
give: {"hour": 5, "minute": 43}
